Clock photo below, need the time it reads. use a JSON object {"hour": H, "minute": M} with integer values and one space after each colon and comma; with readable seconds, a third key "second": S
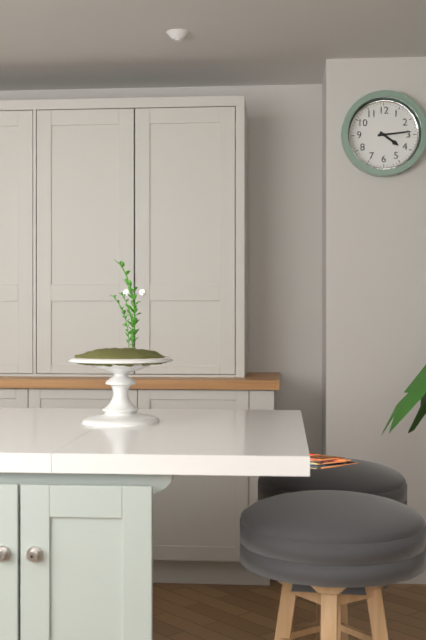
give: {"hour": 4, "minute": 14}
